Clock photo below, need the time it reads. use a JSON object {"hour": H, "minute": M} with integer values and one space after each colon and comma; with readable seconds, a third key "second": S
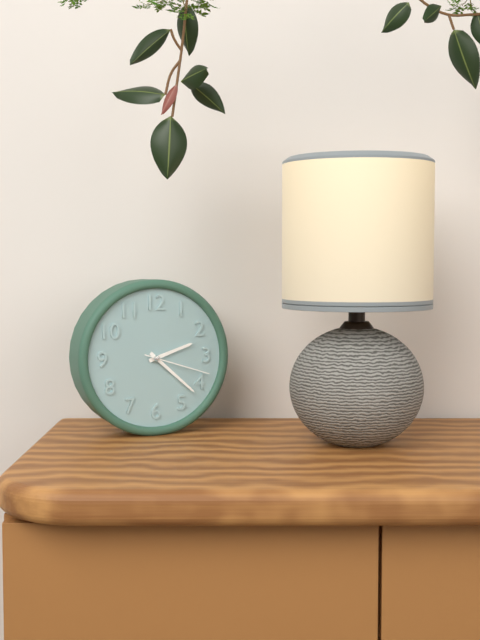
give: {"hour": 2, "minute": 22, "second": 18}
